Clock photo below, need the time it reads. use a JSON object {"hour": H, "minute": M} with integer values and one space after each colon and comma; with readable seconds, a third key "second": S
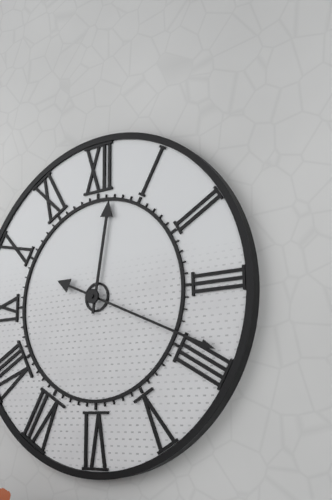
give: {"hour": 12, "minute": 19}
